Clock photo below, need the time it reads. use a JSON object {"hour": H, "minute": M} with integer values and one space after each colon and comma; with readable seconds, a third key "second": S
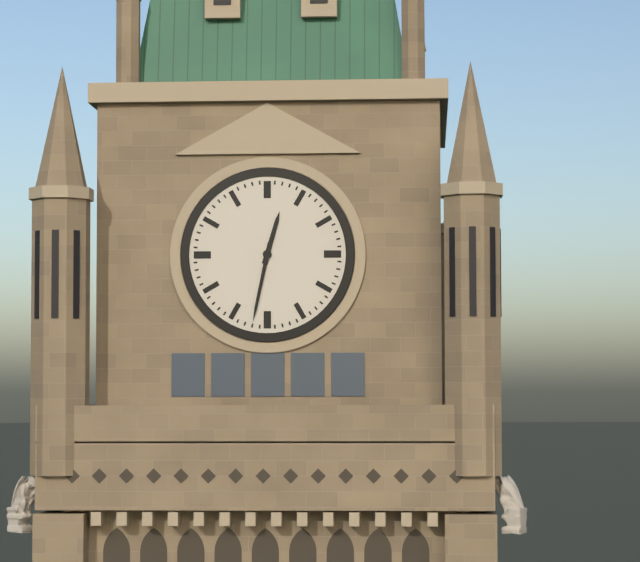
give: {"hour": 12, "minute": 32}
